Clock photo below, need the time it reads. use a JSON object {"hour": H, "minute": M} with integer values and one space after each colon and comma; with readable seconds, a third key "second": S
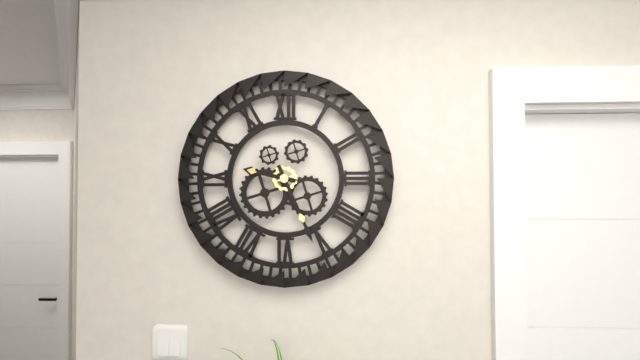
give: {"hour": 9, "minute": 26}
